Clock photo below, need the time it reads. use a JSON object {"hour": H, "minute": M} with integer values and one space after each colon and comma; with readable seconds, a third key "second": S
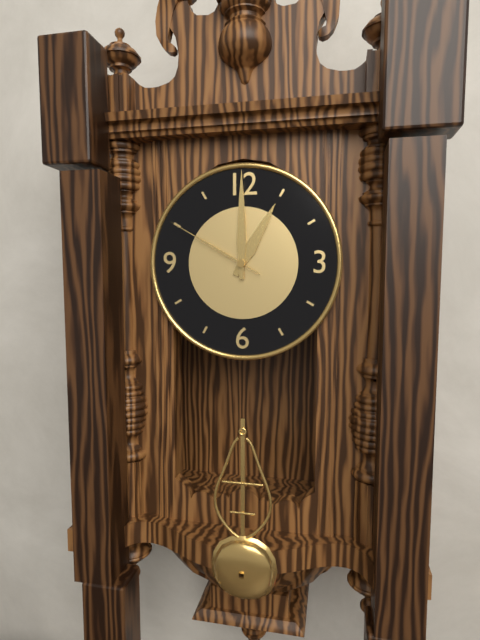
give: {"hour": 1, "minute": 0, "second": 50}
